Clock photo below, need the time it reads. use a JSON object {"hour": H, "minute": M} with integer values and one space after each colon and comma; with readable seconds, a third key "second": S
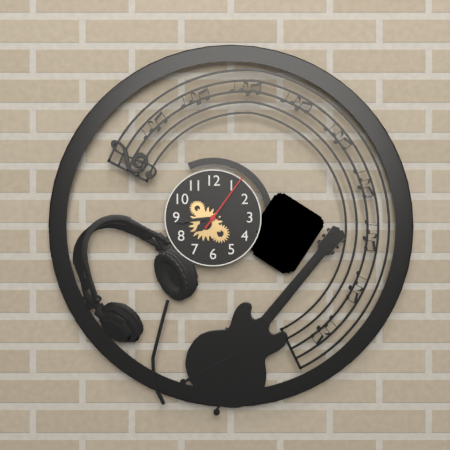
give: {"hour": 7, "minute": 44, "second": 6}
